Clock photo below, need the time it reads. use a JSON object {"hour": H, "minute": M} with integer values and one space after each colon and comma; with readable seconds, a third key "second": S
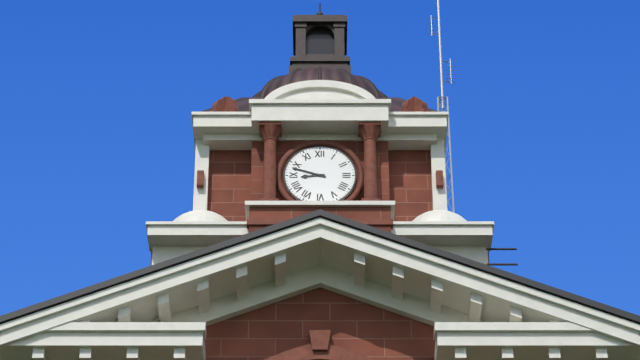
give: {"hour": 8, "minute": 48}
